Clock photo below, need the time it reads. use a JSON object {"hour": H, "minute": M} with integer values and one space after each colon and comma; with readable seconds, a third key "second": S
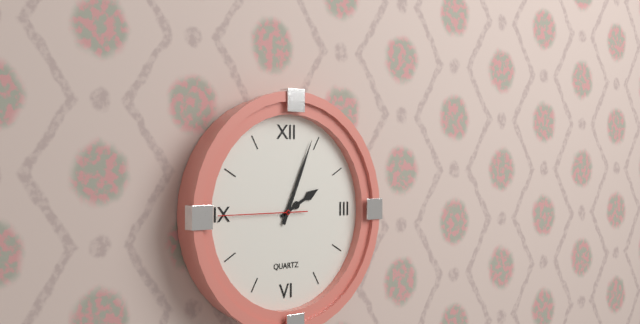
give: {"hour": 2, "minute": 4, "second": 45}
